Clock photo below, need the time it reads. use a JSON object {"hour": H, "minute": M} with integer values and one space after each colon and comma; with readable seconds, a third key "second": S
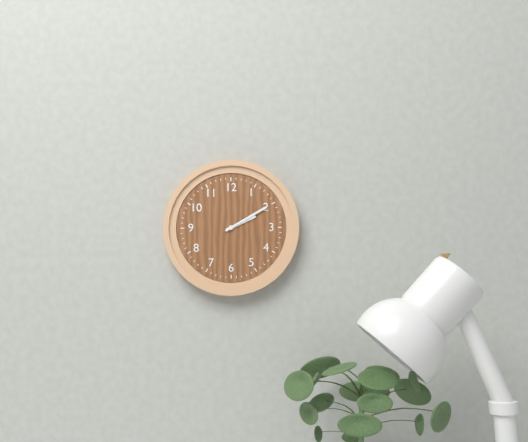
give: {"hour": 2, "minute": 10}
